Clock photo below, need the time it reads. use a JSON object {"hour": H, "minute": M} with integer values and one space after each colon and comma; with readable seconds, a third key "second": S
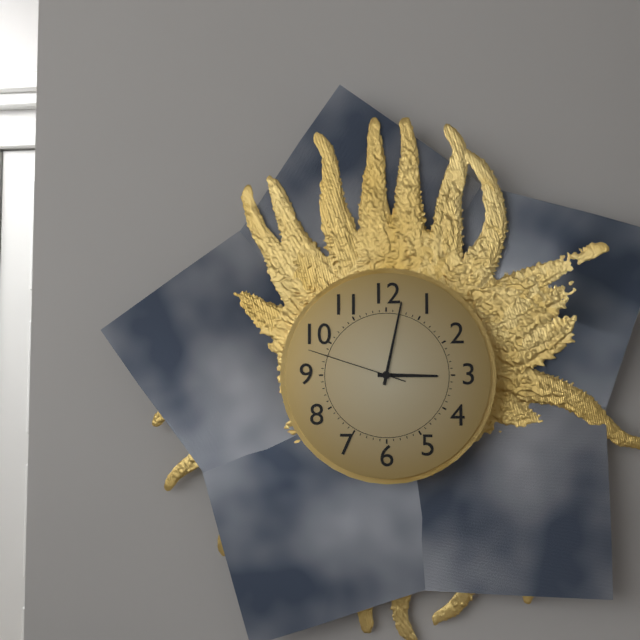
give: {"hour": 3, "minute": 2, "second": 48}
